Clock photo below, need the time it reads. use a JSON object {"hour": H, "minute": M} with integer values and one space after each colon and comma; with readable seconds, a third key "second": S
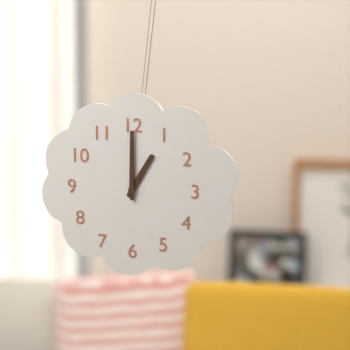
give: {"hour": 1, "minute": 0}
